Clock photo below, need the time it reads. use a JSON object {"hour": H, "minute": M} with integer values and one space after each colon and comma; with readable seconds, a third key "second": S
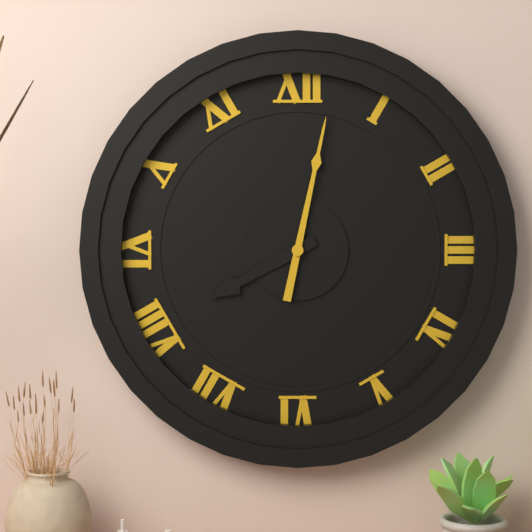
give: {"hour": 8, "minute": 2}
